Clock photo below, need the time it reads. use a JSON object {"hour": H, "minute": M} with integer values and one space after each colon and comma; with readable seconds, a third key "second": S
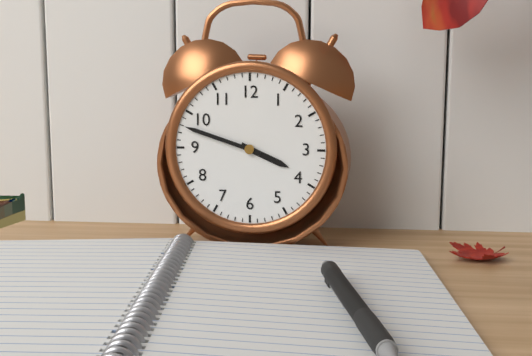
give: {"hour": 3, "minute": 48}
